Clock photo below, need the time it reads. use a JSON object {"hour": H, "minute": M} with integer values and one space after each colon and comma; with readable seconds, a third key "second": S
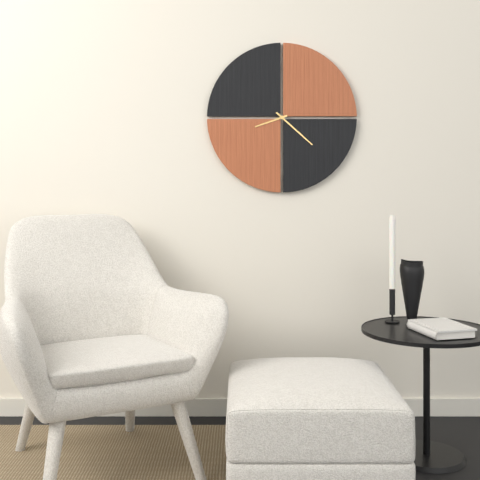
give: {"hour": 8, "minute": 22}
